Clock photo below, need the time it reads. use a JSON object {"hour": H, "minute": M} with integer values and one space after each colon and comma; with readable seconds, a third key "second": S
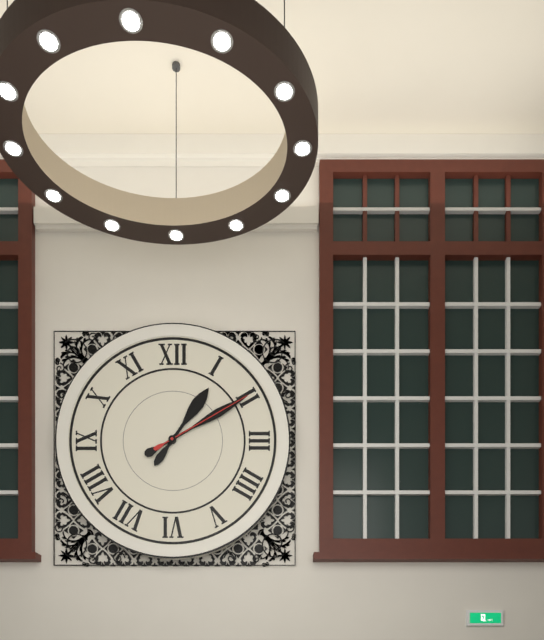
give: {"hour": 1, "minute": 10, "second": 10}
